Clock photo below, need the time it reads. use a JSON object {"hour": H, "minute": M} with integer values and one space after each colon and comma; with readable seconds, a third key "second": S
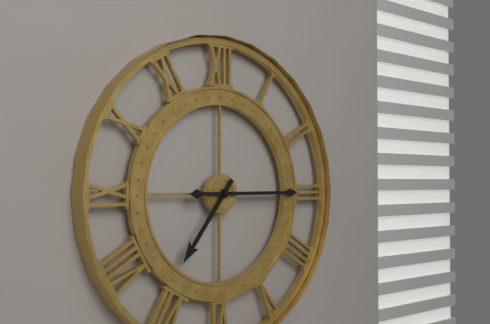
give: {"hour": 7, "minute": 15}
